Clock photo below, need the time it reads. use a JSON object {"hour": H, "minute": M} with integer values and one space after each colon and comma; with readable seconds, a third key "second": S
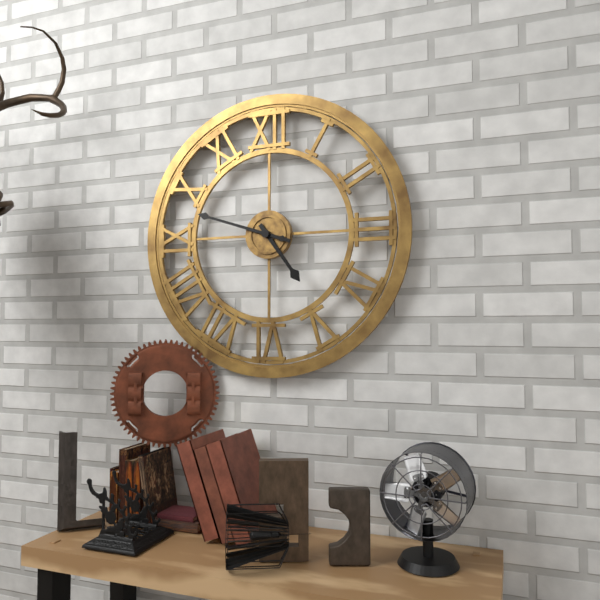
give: {"hour": 4, "minute": 48}
